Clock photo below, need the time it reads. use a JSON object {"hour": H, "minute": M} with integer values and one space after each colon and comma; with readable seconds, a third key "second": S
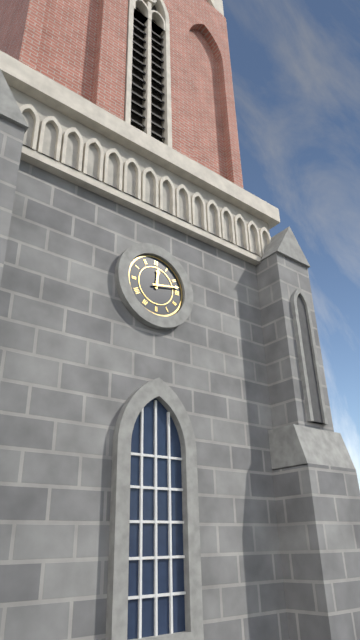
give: {"hour": 12, "minute": 13}
